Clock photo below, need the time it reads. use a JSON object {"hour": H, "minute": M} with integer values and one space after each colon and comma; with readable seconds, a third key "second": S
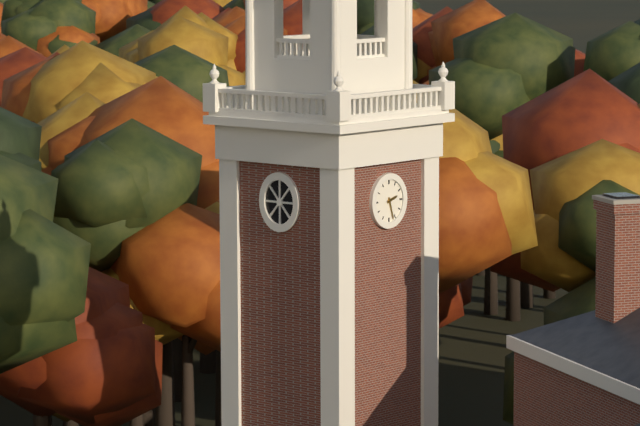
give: {"hour": 2, "minute": 27}
